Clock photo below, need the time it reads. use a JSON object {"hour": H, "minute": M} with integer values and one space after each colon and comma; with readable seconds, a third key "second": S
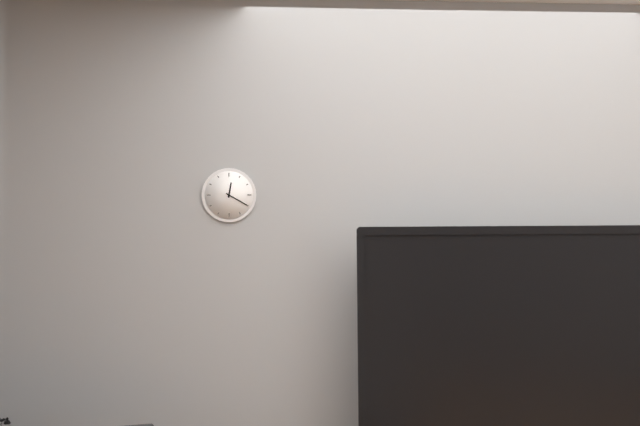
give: {"hour": 12, "minute": 20}
